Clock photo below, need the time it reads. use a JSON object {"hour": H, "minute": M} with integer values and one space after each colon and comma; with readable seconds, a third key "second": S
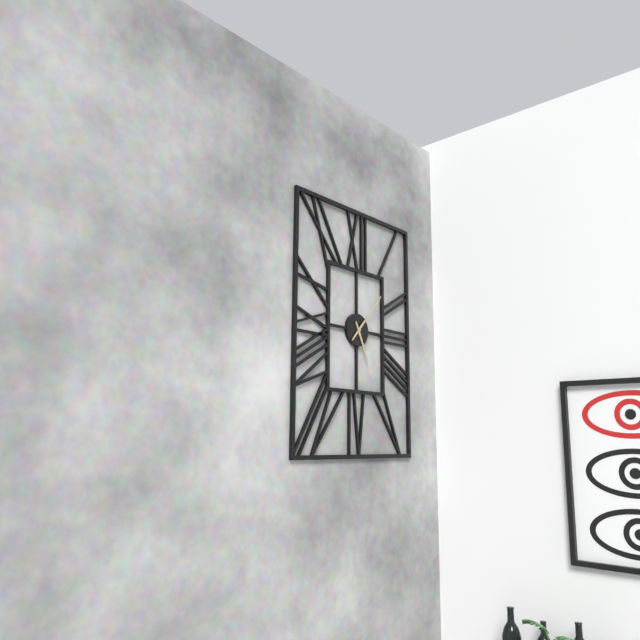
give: {"hour": 5, "minute": 7}
